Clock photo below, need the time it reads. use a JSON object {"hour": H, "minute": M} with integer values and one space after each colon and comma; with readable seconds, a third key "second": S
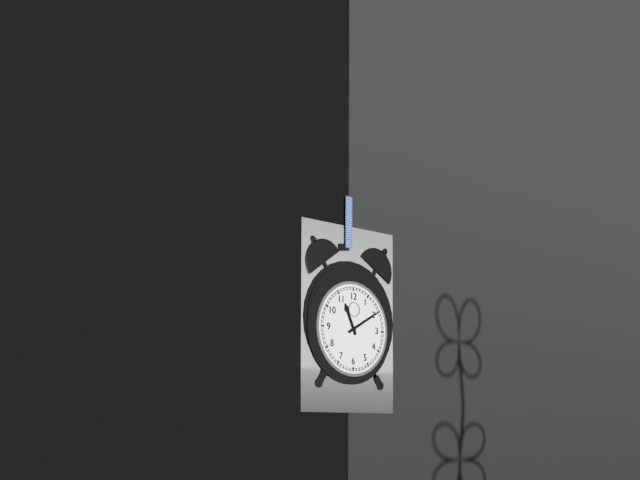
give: {"hour": 11, "minute": 10}
